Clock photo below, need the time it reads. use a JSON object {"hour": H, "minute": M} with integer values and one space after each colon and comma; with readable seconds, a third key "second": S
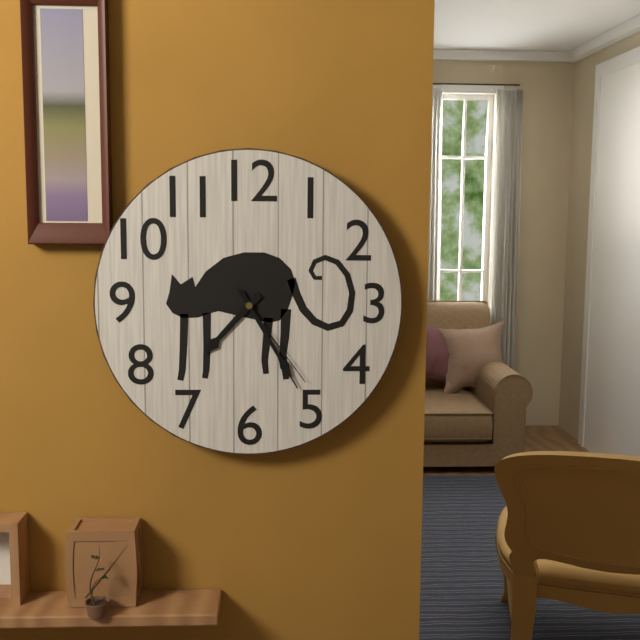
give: {"hour": 7, "minute": 25, "second": 24}
